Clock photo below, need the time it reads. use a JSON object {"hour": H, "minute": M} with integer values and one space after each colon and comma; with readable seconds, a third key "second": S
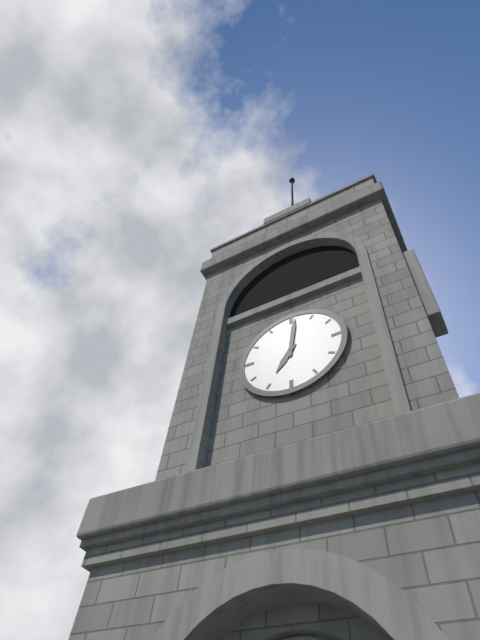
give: {"hour": 7, "minute": 1}
